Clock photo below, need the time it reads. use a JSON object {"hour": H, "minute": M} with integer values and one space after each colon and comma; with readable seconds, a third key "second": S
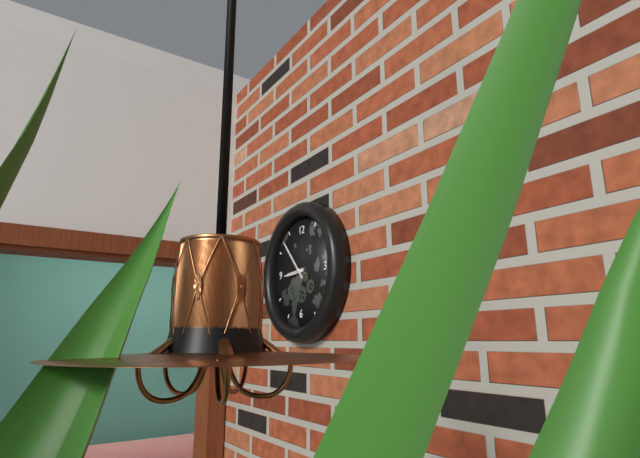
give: {"hour": 8, "minute": 53}
